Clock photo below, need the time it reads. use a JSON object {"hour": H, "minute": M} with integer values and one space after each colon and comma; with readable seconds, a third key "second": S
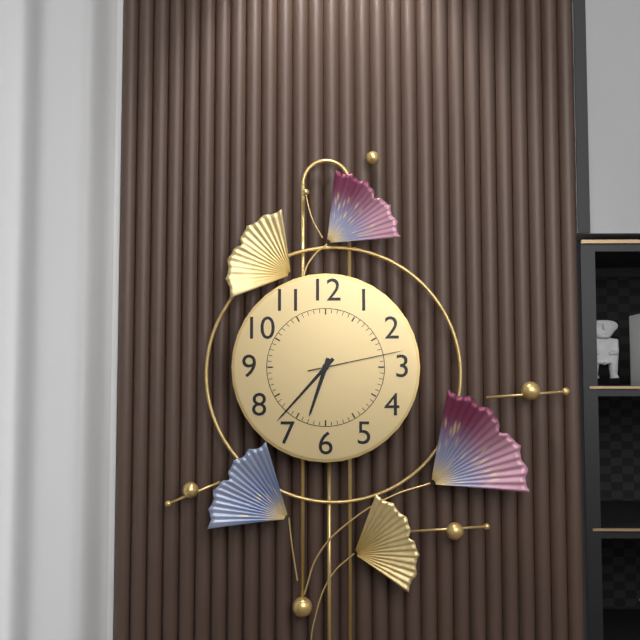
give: {"hour": 6, "minute": 37, "second": 13}
